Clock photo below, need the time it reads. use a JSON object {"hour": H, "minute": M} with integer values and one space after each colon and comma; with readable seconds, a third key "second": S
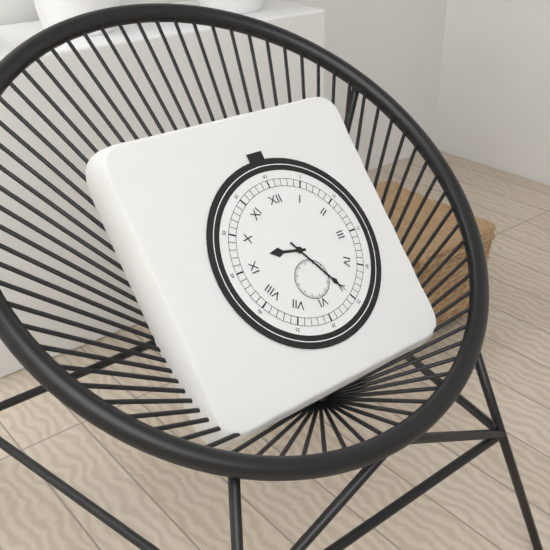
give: {"hour": 9, "minute": 25}
